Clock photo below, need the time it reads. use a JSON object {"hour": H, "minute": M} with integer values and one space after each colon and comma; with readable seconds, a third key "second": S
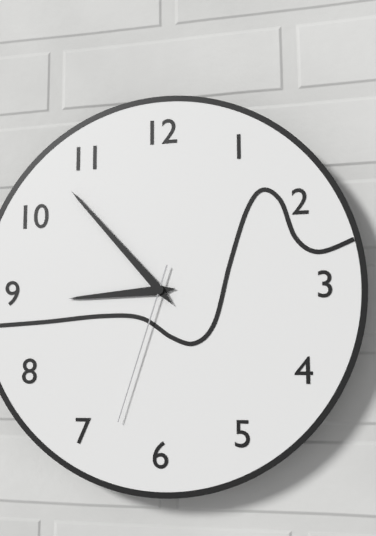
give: {"hour": 8, "minute": 53, "second": 33}
